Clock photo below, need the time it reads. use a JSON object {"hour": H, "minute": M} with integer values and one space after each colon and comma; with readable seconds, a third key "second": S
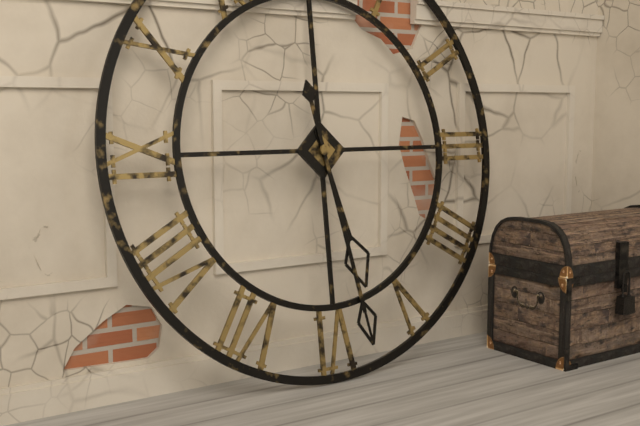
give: {"hour": 5, "minute": 28}
